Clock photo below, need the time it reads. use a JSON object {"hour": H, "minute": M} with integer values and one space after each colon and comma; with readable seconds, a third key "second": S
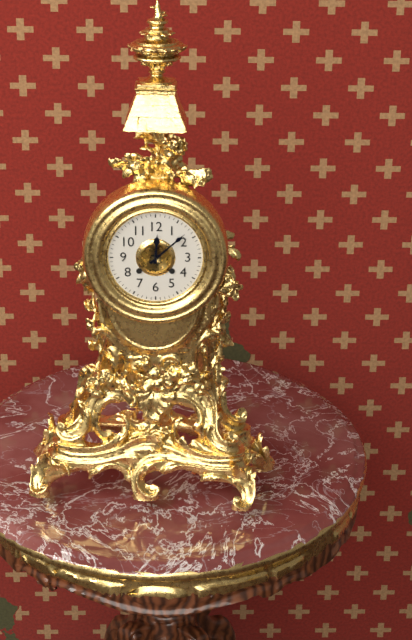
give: {"hour": 12, "minute": 8}
